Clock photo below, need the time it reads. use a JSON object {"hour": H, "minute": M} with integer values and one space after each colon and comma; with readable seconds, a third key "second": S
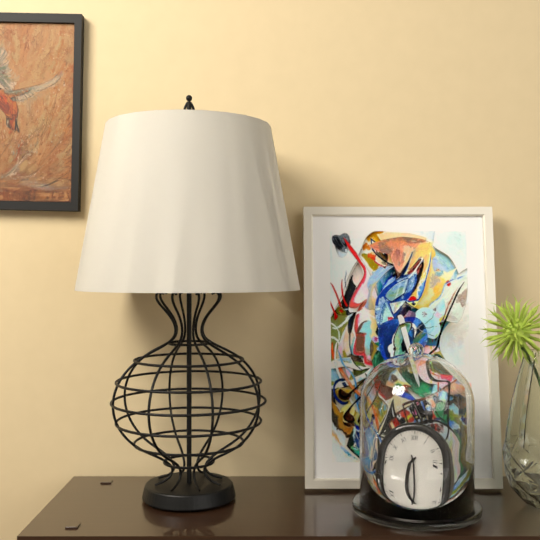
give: {"hour": 7, "minute": 27}
